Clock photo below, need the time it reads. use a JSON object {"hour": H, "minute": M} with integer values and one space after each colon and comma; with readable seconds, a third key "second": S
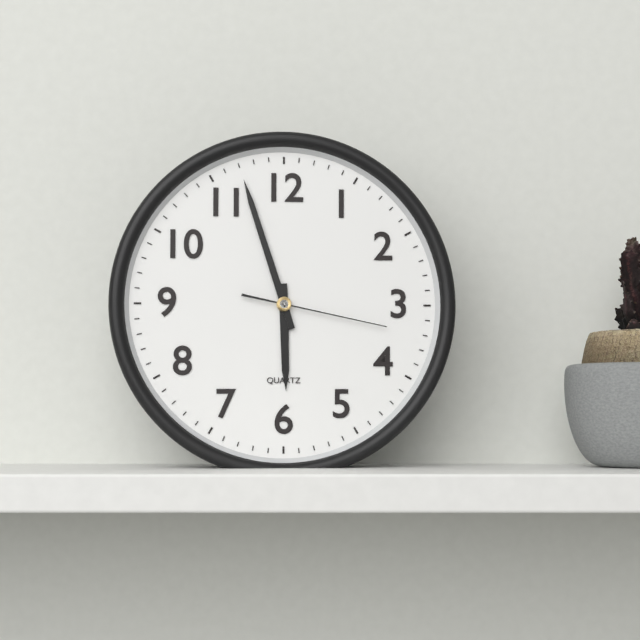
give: {"hour": 5, "minute": 57, "second": 17}
